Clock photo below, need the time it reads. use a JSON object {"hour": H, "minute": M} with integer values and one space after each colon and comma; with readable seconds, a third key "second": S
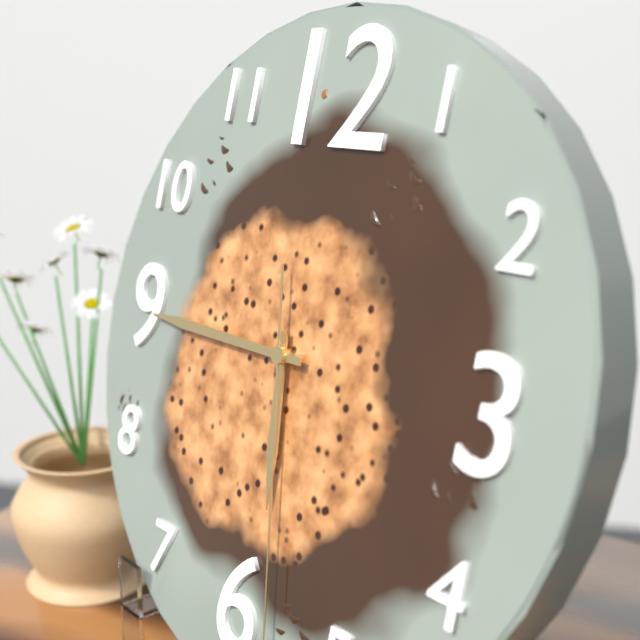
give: {"hour": 5, "minute": 45}
